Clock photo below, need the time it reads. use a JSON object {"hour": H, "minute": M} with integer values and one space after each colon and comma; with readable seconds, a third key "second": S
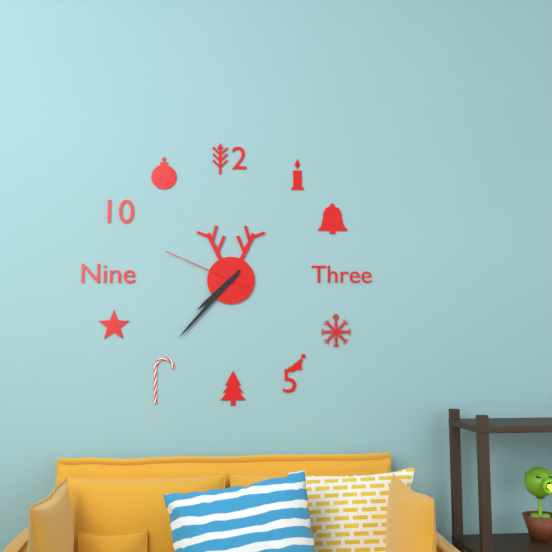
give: {"hour": 7, "minute": 37, "second": 49}
